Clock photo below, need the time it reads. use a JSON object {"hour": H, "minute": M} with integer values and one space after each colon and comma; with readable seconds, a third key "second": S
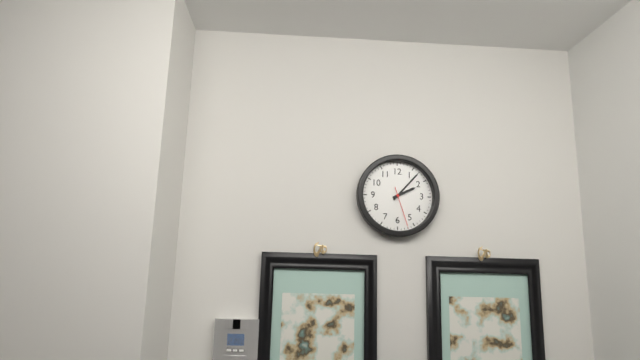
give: {"hour": 2, "minute": 7}
